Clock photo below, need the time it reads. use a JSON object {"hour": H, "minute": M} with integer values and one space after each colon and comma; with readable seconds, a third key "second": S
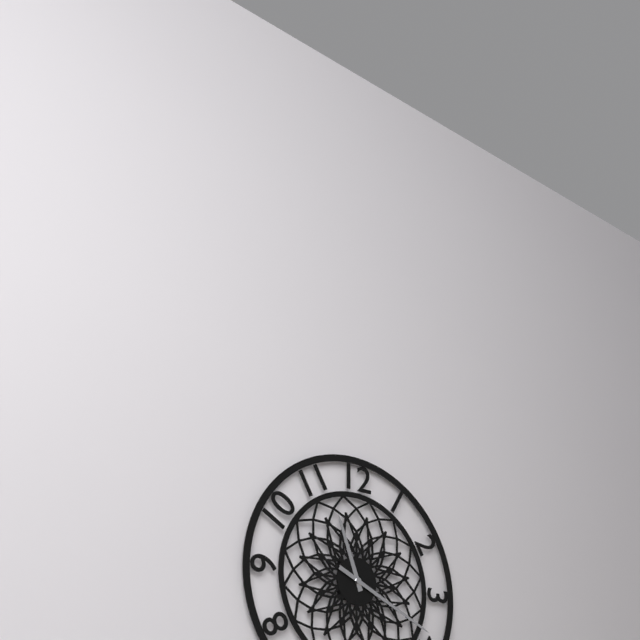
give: {"hour": 11, "minute": 19}
